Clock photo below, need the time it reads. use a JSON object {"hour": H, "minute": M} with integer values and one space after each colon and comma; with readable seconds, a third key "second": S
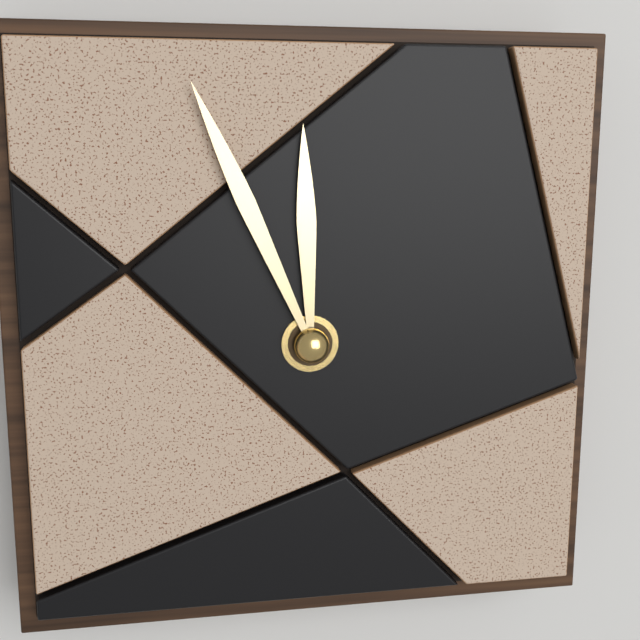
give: {"hour": 11, "minute": 56}
